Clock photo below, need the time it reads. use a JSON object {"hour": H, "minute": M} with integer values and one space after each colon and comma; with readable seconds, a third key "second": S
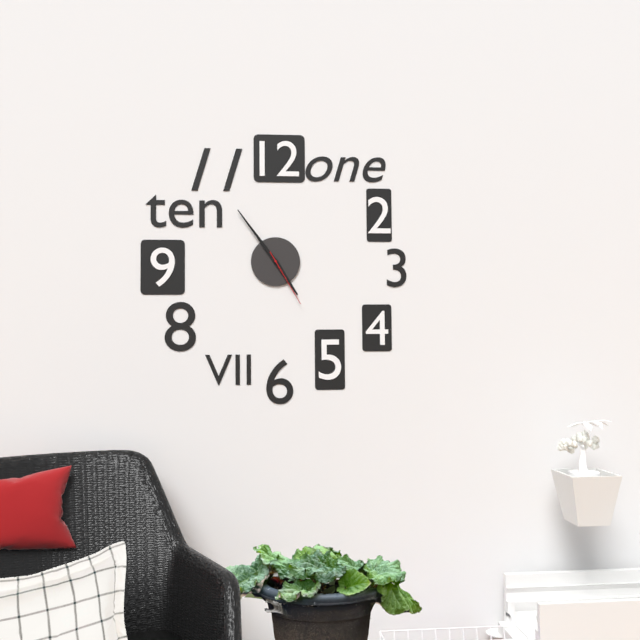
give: {"hour": 4, "minute": 54, "second": 25}
